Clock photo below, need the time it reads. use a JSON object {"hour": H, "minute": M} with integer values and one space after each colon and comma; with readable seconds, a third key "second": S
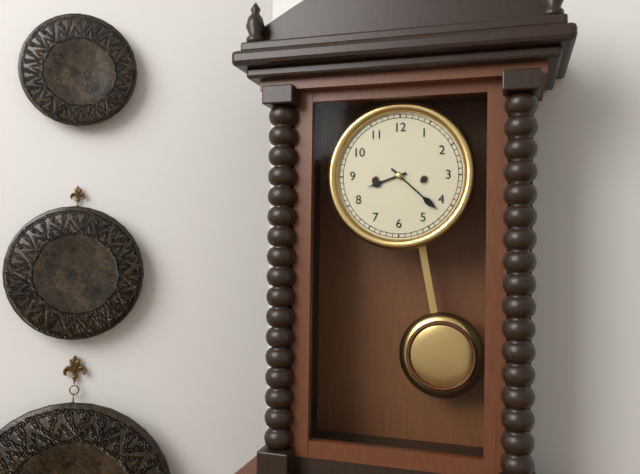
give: {"hour": 8, "minute": 22}
